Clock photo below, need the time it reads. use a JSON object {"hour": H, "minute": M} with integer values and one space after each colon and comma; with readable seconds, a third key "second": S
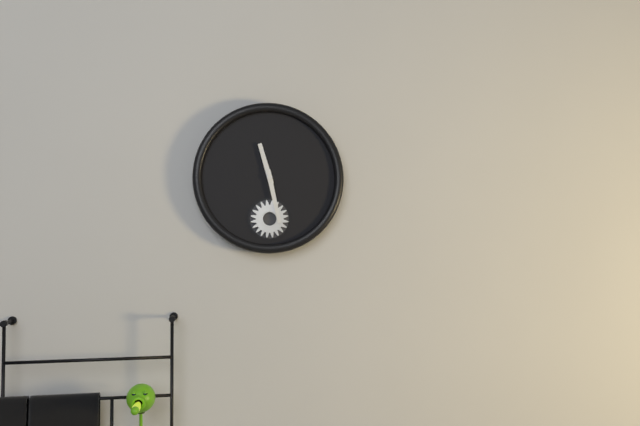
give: {"hour": 11, "minute": 28}
